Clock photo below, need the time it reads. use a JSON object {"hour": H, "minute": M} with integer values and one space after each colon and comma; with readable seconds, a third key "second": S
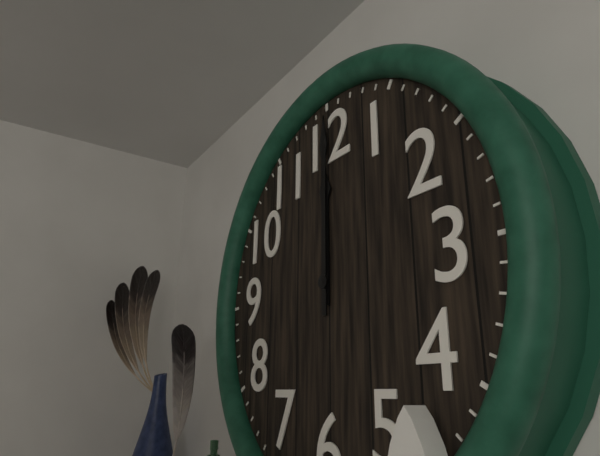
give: {"hour": 12, "minute": 0}
